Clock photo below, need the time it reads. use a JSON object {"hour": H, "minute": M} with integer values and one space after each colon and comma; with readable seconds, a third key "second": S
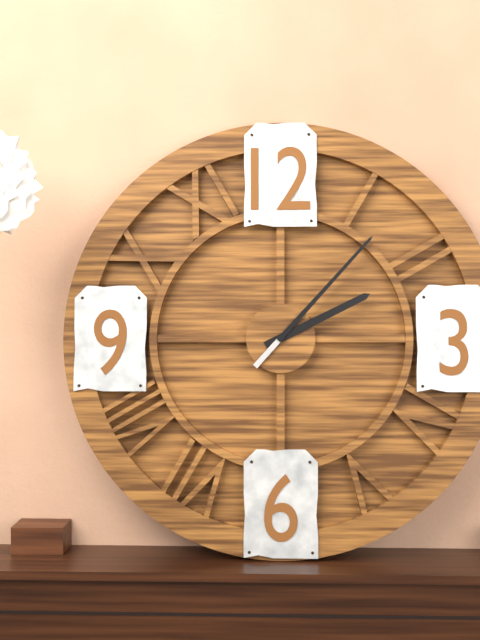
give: {"hour": 2, "minute": 7}
